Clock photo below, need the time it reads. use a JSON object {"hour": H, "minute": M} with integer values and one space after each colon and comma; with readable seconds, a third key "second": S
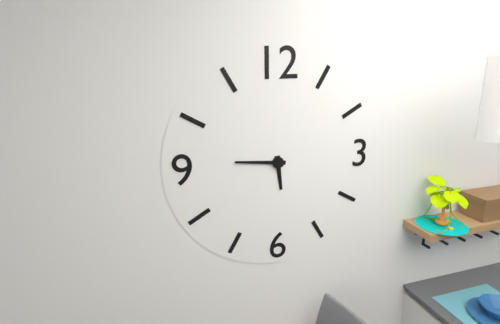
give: {"hour": 5, "minute": 46}
